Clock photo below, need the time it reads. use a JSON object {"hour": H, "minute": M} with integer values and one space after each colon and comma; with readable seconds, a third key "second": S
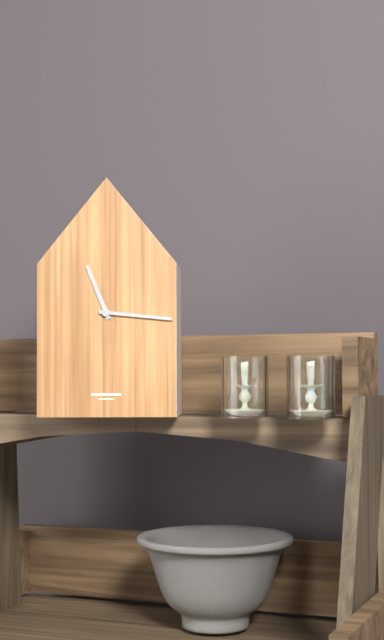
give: {"hour": 11, "minute": 16}
